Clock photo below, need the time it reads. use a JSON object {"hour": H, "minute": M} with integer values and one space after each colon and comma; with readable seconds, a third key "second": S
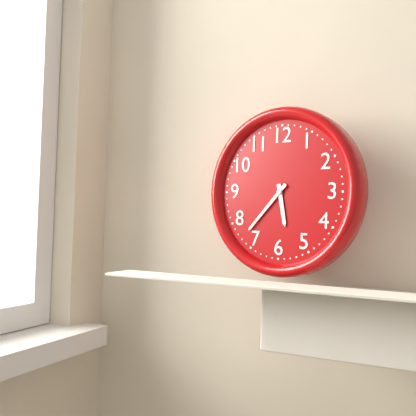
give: {"hour": 5, "minute": 37}
